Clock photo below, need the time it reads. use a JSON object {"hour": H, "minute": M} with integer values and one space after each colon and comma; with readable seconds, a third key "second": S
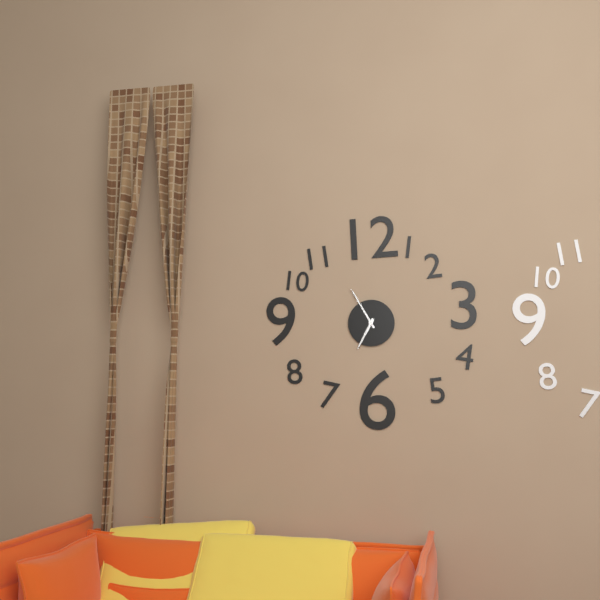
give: {"hour": 6, "minute": 55}
